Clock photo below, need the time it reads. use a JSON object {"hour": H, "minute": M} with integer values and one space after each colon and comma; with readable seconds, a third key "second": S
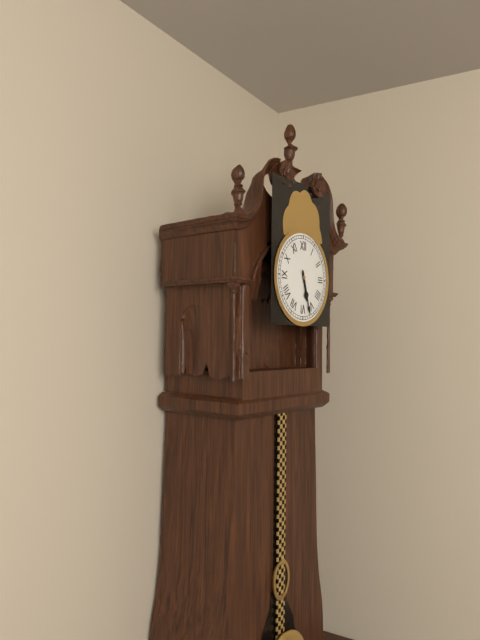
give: {"hour": 5, "minute": 27}
